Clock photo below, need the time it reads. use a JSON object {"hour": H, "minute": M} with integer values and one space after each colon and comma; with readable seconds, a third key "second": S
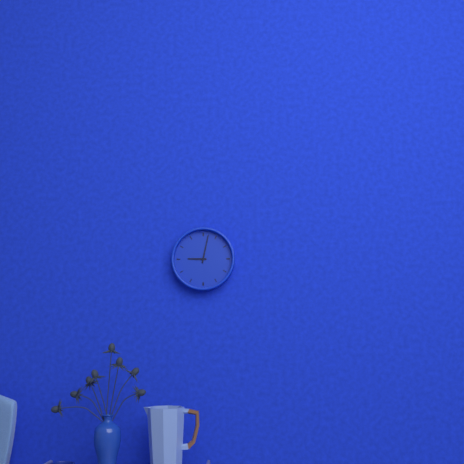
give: {"hour": 9, "minute": 2}
